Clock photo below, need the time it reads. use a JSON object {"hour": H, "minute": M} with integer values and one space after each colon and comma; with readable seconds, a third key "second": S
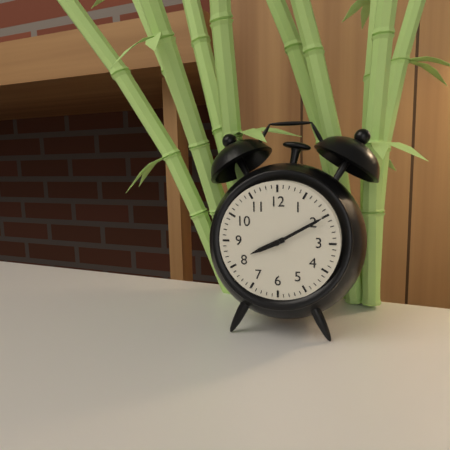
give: {"hour": 8, "minute": 10}
